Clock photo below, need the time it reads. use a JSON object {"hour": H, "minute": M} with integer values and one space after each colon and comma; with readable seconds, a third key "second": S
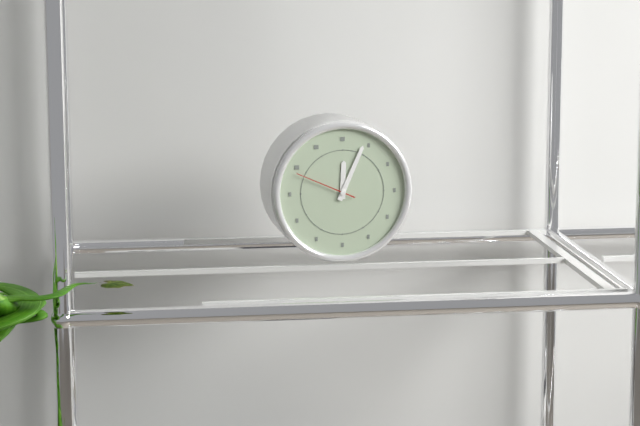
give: {"hour": 12, "minute": 4, "second": 49}
